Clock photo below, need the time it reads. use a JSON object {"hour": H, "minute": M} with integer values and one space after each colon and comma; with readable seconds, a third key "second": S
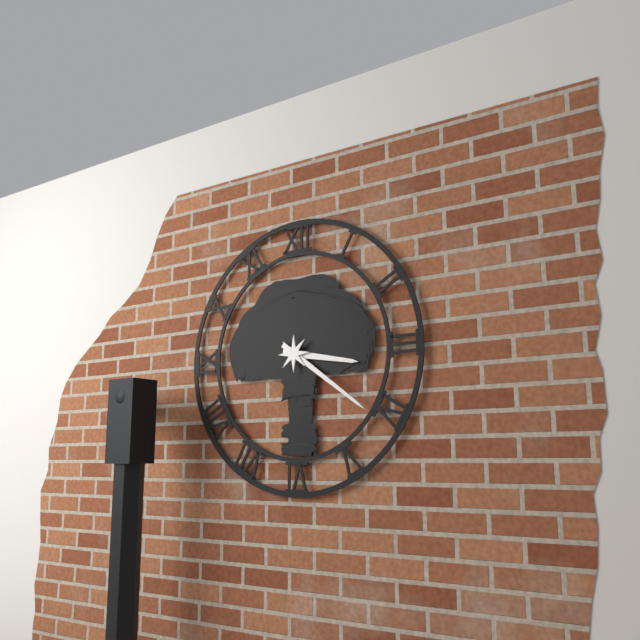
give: {"hour": 3, "minute": 21}
